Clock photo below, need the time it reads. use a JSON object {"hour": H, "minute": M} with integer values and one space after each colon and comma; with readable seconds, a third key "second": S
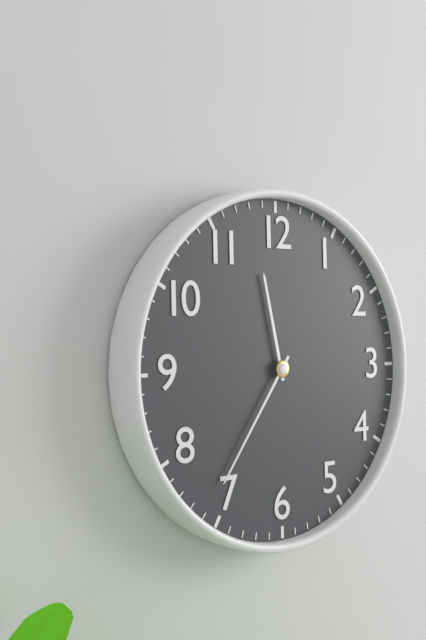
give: {"hour": 11, "minute": 36}
